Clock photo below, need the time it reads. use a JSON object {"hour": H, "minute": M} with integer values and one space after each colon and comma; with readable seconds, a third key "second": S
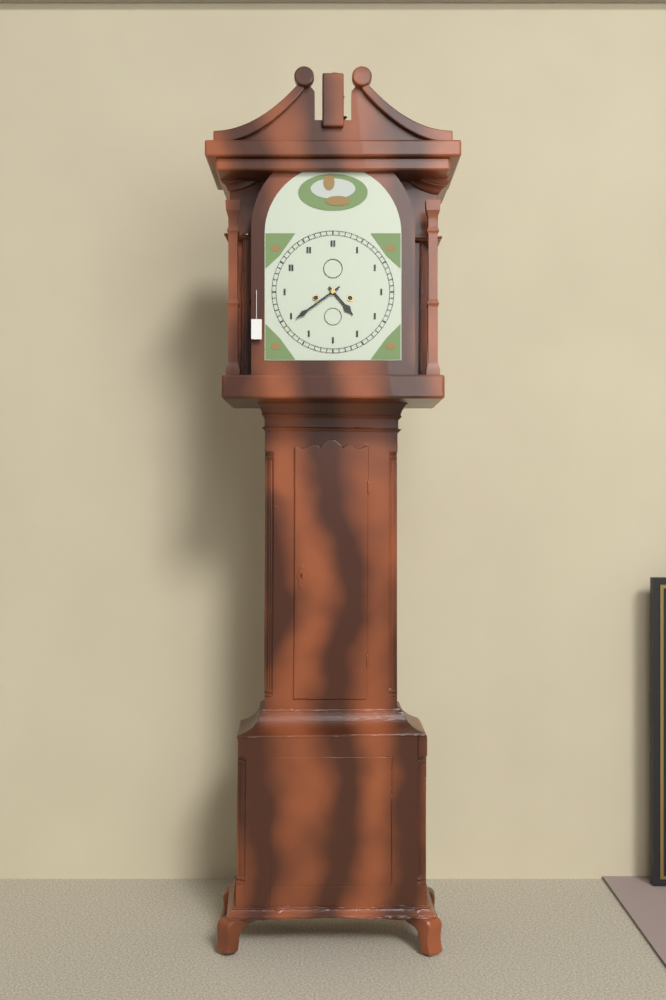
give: {"hour": 4, "minute": 39}
